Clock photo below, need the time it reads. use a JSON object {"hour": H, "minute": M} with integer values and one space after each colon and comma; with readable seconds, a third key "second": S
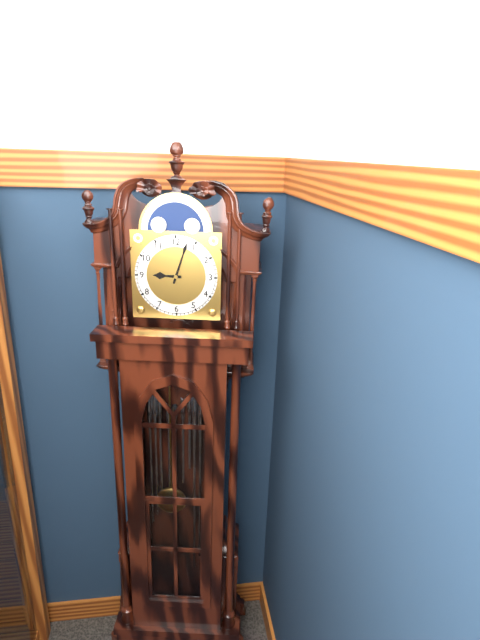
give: {"hour": 9, "minute": 3}
